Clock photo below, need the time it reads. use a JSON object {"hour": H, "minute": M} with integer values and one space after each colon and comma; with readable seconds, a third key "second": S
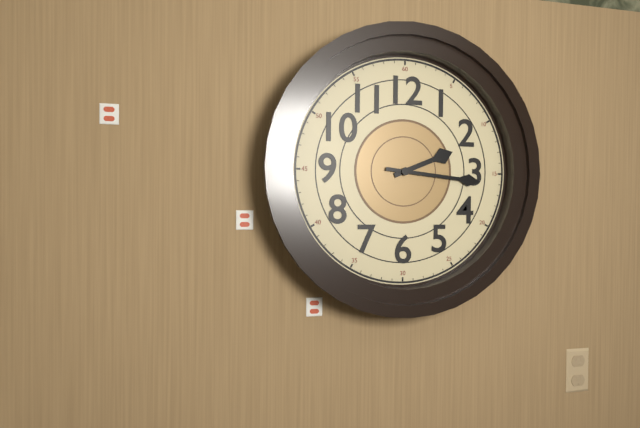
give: {"hour": 2, "minute": 16}
